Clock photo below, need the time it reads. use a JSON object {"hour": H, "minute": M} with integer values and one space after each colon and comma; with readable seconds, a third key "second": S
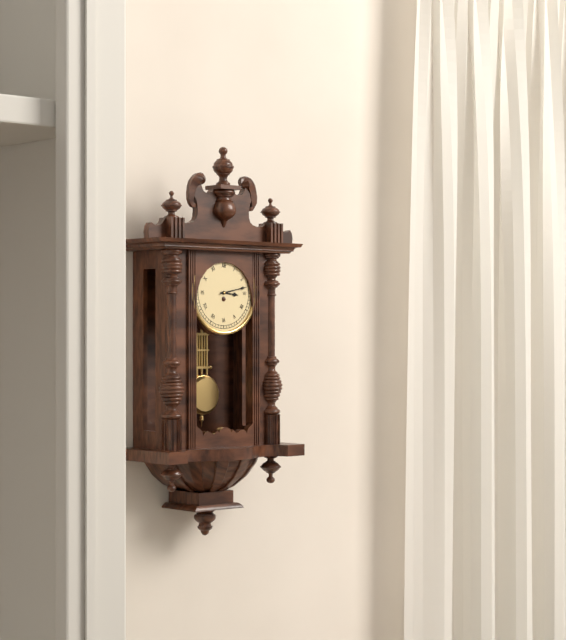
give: {"hour": 3, "minute": 13}
